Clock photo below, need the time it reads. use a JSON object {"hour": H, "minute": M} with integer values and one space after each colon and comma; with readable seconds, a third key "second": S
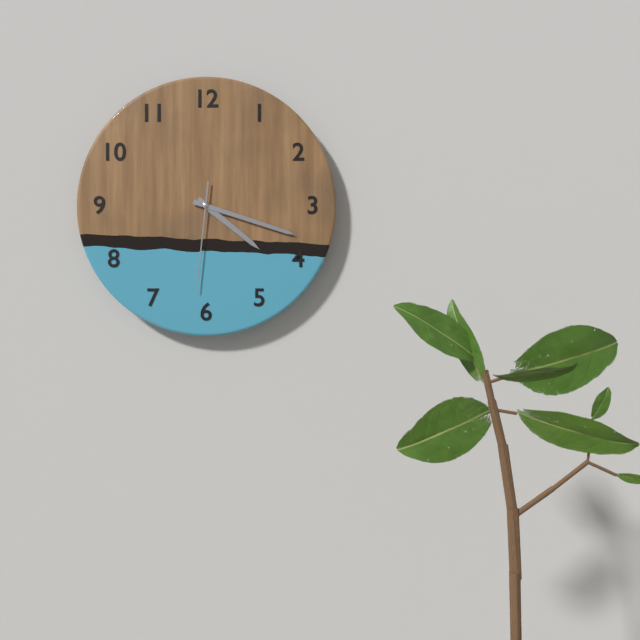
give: {"hour": 4, "minute": 18, "second": 31}
